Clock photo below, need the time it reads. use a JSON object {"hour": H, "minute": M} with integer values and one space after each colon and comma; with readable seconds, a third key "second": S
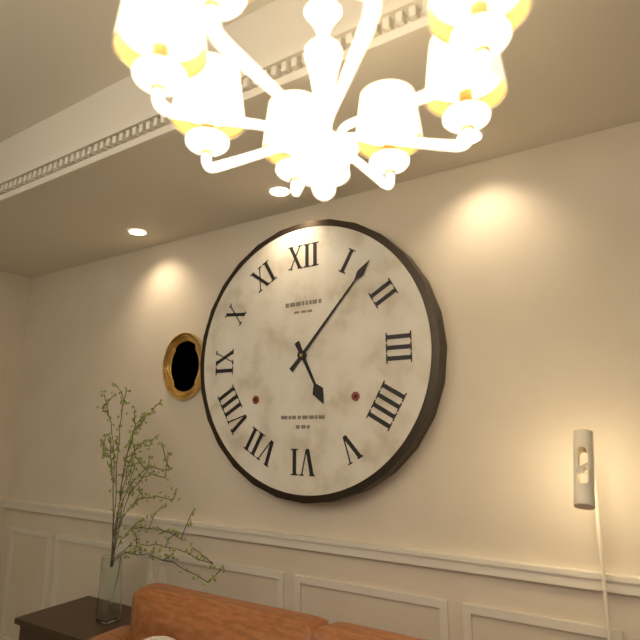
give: {"hour": 5, "minute": 7}
